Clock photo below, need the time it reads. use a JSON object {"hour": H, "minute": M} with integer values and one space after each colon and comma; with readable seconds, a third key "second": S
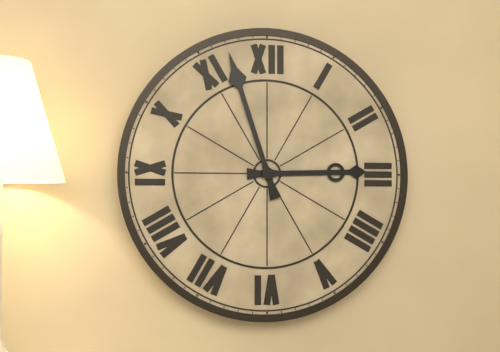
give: {"hour": 2, "minute": 57}
